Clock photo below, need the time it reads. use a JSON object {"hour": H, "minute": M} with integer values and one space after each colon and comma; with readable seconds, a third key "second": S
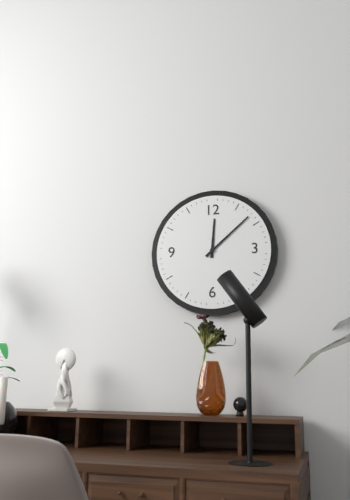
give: {"hour": 12, "minute": 8}
